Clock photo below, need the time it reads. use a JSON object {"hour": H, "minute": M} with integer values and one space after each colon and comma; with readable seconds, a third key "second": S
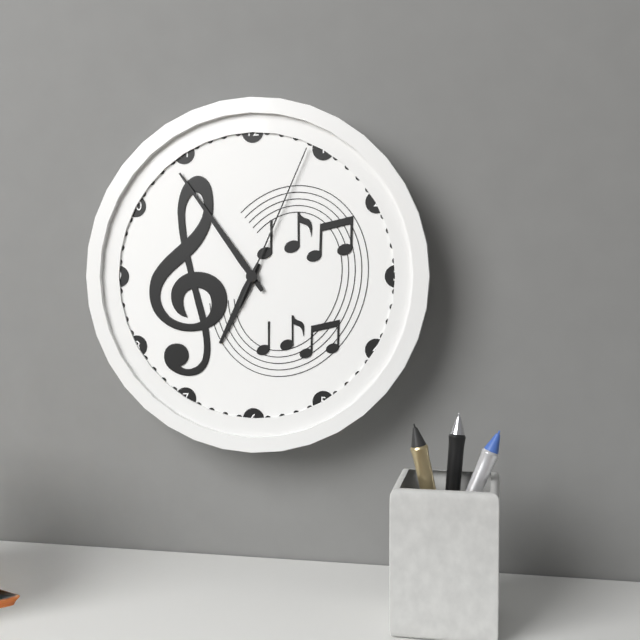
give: {"hour": 6, "minute": 54, "second": 4}
